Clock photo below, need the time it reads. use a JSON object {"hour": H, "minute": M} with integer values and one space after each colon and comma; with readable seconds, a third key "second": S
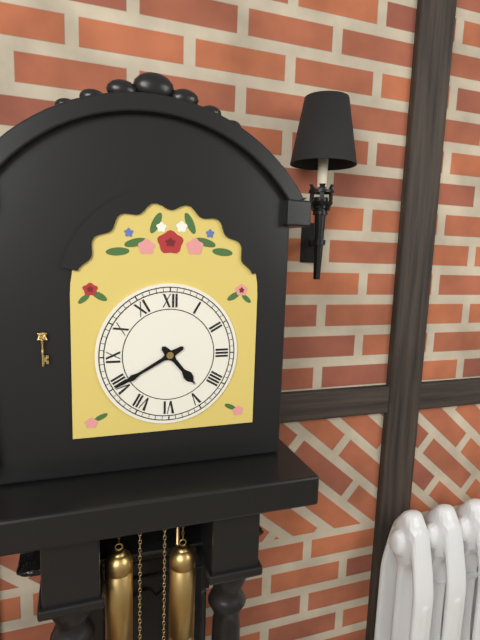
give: {"hour": 4, "minute": 40}
